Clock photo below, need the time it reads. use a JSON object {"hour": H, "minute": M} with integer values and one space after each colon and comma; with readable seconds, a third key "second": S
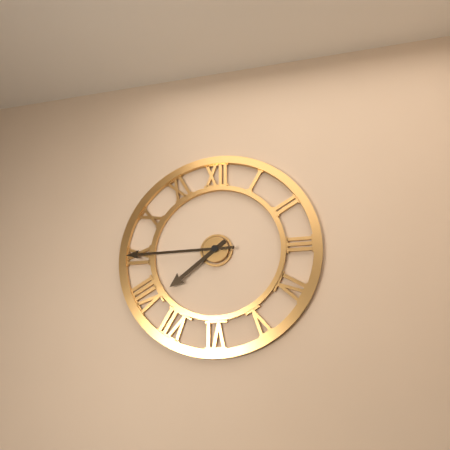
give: {"hour": 7, "minute": 45}
